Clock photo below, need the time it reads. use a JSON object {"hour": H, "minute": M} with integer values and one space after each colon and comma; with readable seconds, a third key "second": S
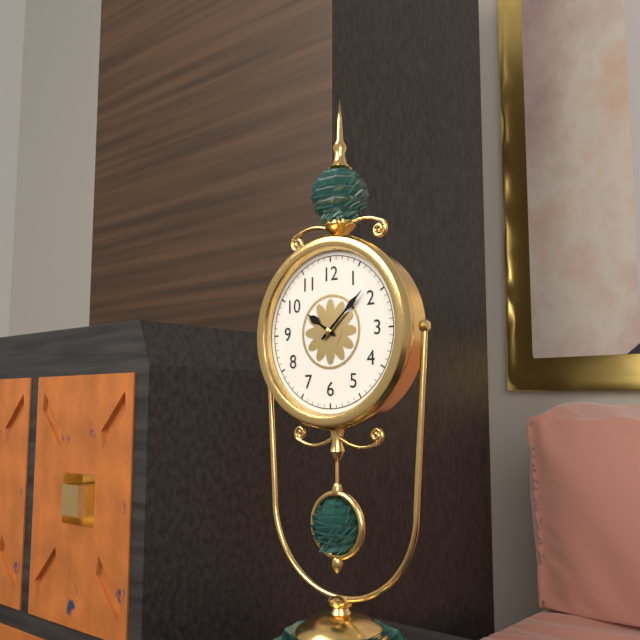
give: {"hour": 10, "minute": 8}
